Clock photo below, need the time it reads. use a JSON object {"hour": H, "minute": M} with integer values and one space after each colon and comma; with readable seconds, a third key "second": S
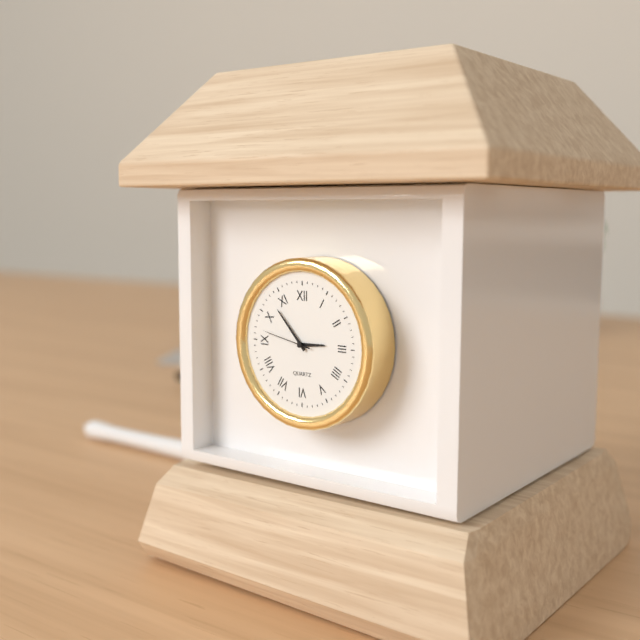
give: {"hour": 2, "minute": 53}
